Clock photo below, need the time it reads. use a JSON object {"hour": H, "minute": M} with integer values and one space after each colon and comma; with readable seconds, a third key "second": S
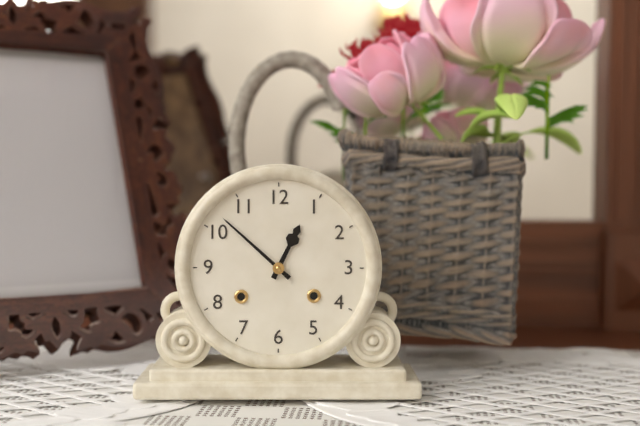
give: {"hour": 12, "minute": 52}
